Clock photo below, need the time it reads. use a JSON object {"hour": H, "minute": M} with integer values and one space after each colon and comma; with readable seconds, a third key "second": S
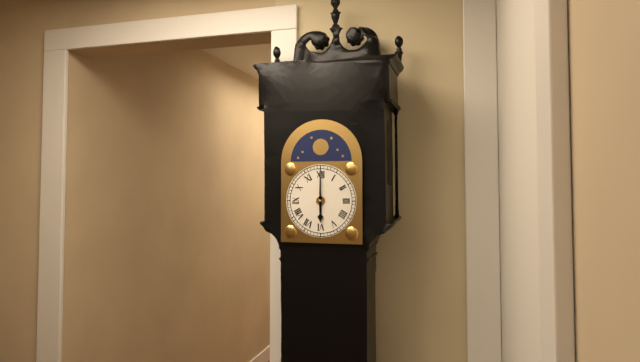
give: {"hour": 6, "minute": 0}
